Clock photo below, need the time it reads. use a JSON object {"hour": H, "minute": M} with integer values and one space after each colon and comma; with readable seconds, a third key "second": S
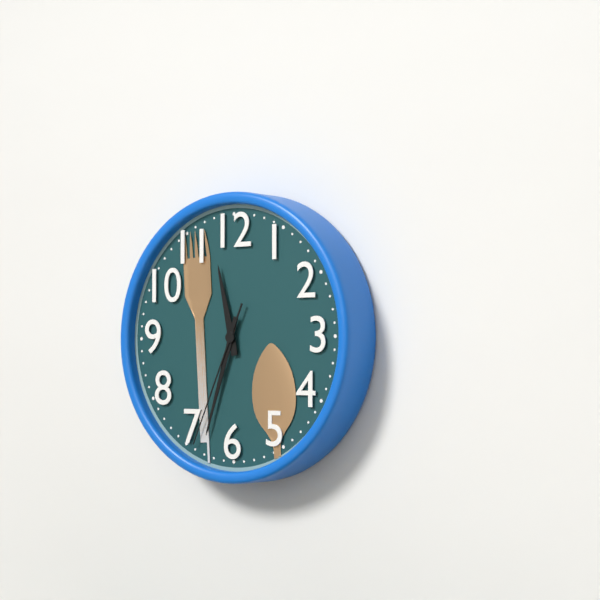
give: {"hour": 11, "minute": 33, "second": 34}
